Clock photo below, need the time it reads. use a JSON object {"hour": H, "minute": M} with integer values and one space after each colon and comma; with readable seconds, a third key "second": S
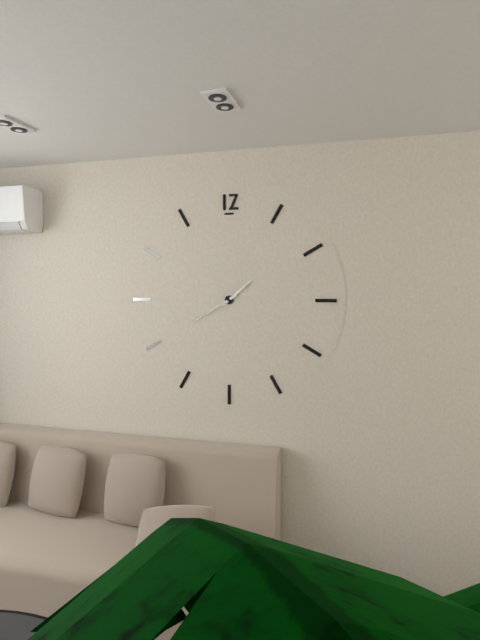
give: {"hour": 1, "minute": 40}
